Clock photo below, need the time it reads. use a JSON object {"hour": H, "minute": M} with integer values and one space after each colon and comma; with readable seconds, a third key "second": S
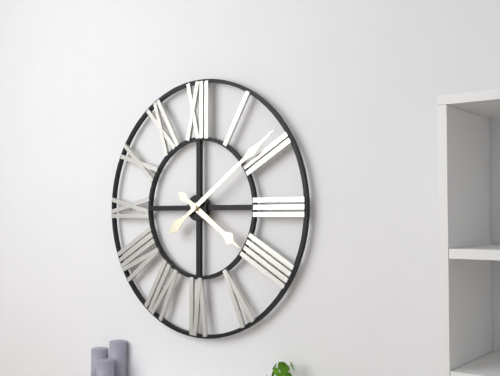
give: {"hour": 4, "minute": 9}
